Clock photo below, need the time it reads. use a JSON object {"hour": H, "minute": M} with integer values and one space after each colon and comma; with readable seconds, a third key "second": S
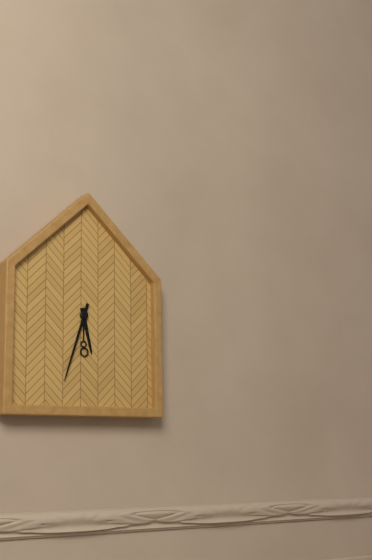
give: {"hour": 5, "minute": 33}
